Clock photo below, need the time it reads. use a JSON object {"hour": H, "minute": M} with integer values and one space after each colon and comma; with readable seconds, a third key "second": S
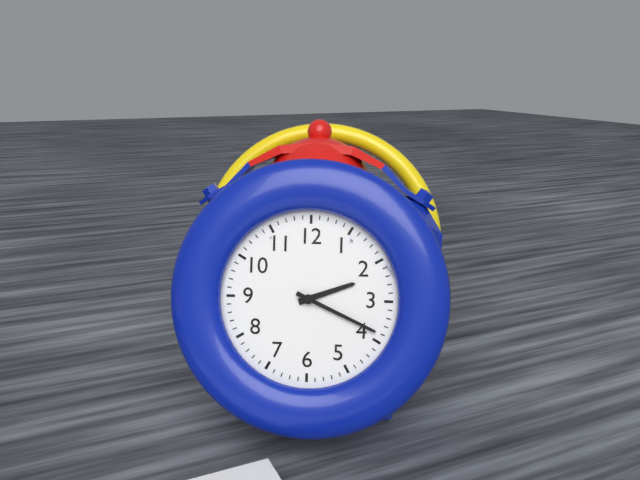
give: {"hour": 2, "minute": 19}
